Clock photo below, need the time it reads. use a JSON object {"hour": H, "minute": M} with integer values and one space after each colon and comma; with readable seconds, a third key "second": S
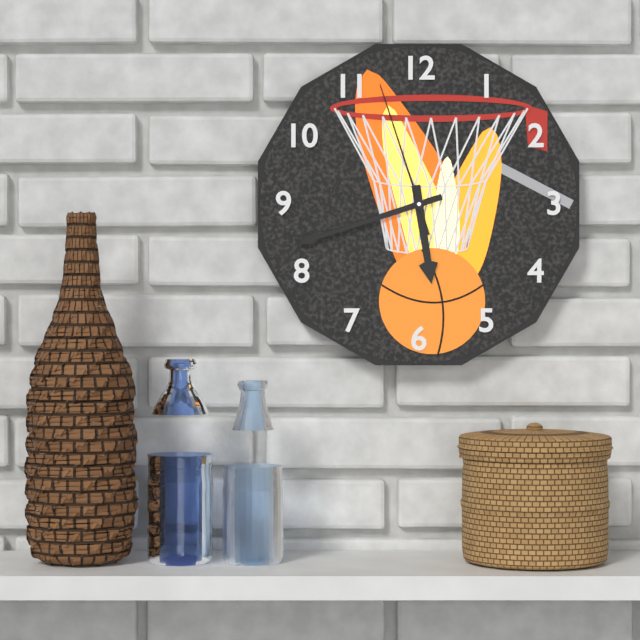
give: {"hour": 5, "minute": 42, "second": 57}
